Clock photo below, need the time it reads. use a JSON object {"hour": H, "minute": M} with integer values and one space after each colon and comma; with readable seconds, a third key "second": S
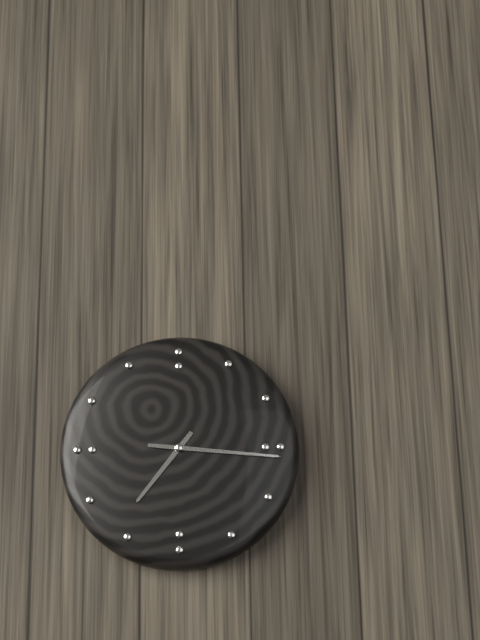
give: {"hour": 7, "minute": 16}
